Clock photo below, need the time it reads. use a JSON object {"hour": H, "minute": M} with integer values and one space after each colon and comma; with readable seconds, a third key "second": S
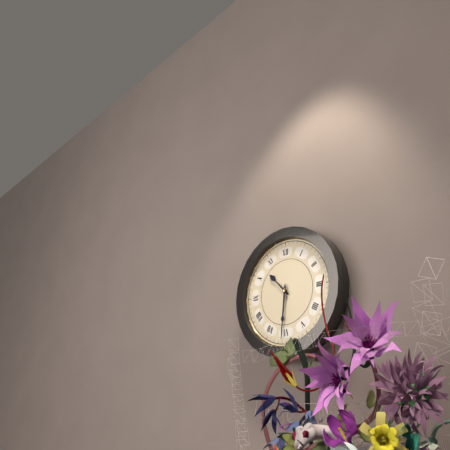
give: {"hour": 10, "minute": 31}
